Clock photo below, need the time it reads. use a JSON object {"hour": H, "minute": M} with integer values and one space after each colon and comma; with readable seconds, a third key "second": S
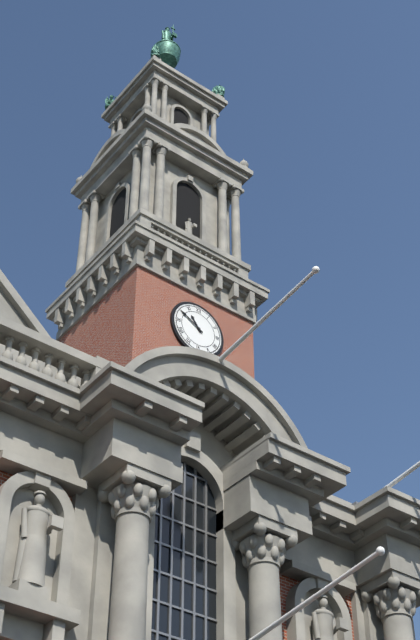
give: {"hour": 10, "minute": 50}
